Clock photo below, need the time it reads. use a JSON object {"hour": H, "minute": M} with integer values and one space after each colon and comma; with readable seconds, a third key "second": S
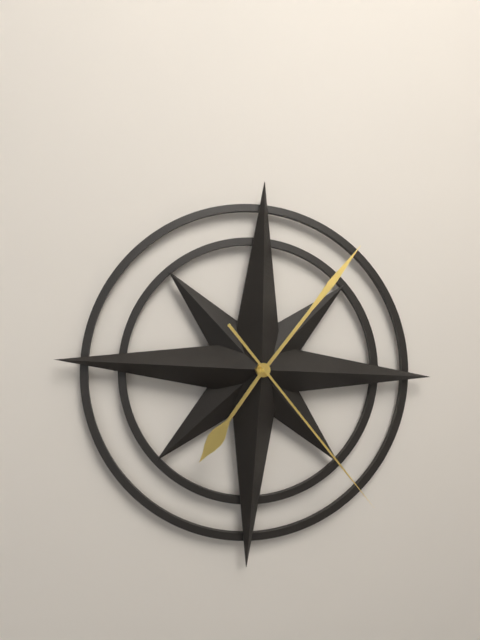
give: {"hour": 7, "minute": 6, "second": 23}
